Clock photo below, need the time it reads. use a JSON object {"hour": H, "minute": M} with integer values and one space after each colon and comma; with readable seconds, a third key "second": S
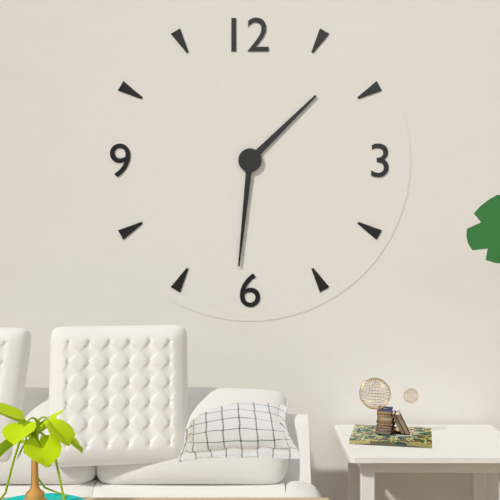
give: {"hour": 1, "minute": 31}
